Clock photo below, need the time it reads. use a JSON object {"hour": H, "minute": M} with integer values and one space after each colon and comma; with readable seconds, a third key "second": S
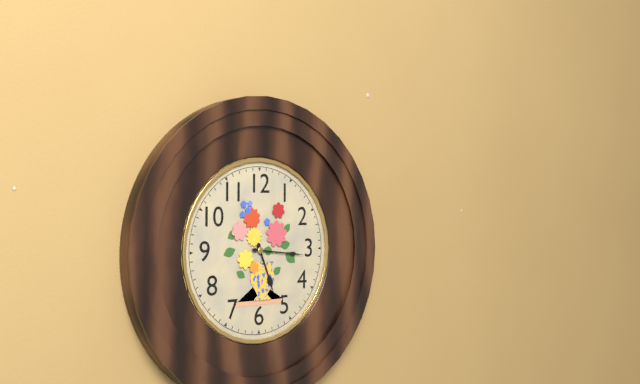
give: {"hour": 5, "minute": 16}
